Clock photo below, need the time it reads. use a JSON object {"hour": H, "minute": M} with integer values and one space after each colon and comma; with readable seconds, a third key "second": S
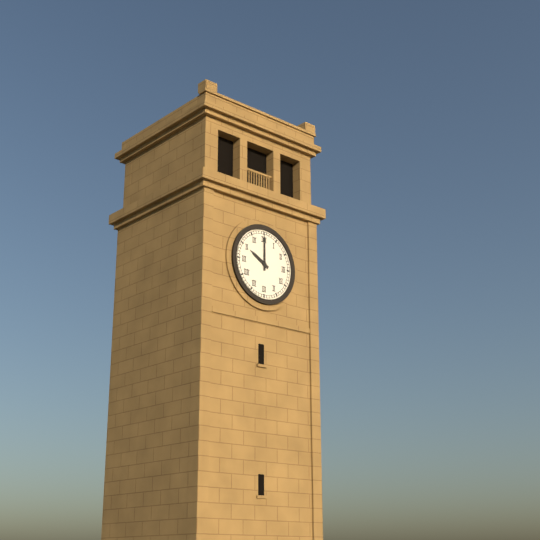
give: {"hour": 10, "minute": 0}
